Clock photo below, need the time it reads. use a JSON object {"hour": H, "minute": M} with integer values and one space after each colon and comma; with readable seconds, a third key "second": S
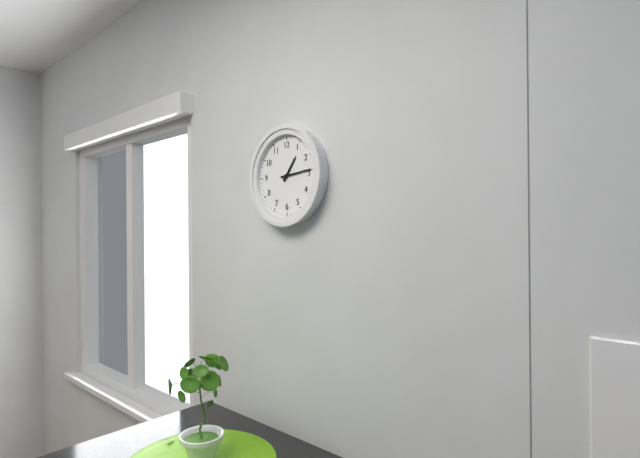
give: {"hour": 1, "minute": 14}
